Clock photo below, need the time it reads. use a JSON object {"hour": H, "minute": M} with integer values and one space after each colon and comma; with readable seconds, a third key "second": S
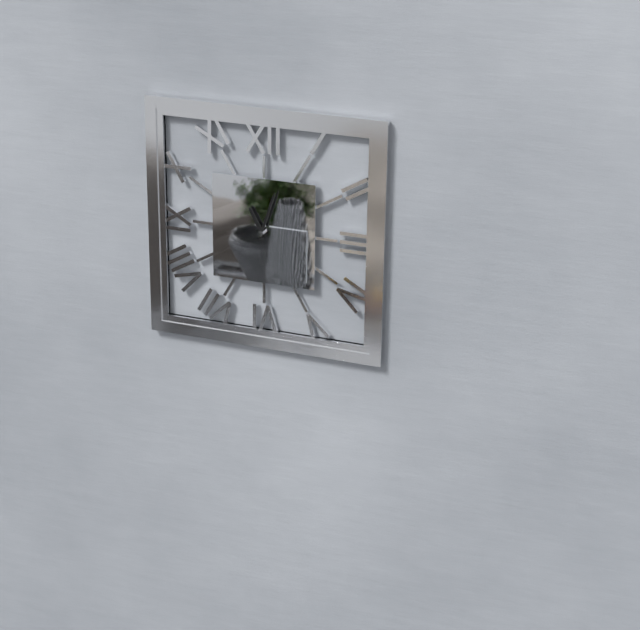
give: {"hour": 11, "minute": 3}
